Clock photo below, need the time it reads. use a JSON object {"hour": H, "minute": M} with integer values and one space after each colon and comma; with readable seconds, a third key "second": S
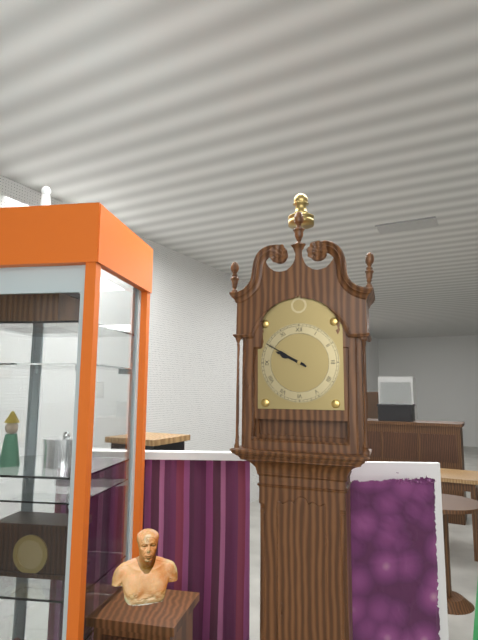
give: {"hour": 9, "minute": 50}
